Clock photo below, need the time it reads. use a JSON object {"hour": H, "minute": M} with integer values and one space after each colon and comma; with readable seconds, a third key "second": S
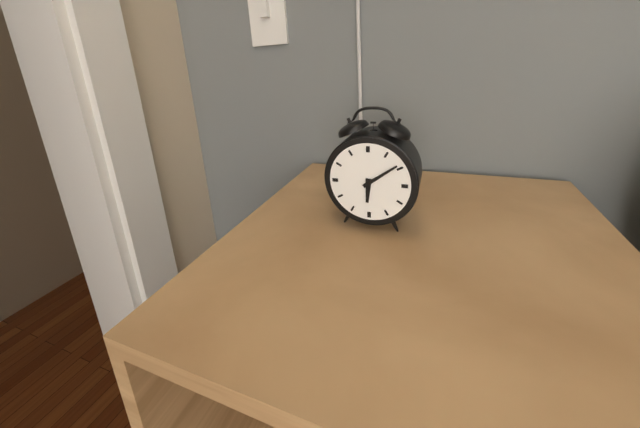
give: {"hour": 6, "minute": 9}
